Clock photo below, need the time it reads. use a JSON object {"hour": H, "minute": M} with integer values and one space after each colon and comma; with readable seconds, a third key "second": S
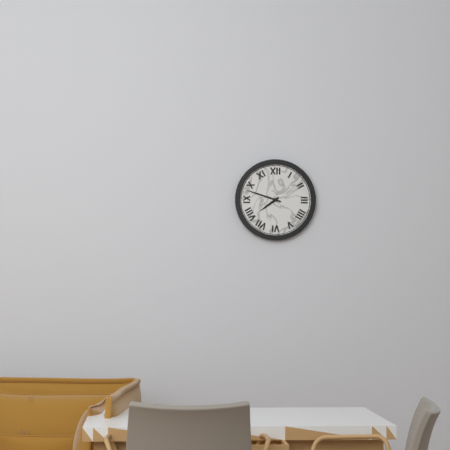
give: {"hour": 7, "minute": 48}
